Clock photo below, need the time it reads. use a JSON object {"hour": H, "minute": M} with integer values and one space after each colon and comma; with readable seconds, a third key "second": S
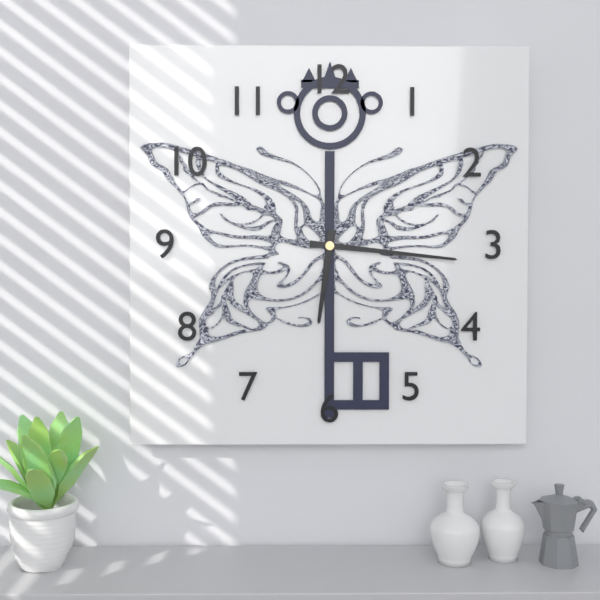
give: {"hour": 6, "minute": 16}
